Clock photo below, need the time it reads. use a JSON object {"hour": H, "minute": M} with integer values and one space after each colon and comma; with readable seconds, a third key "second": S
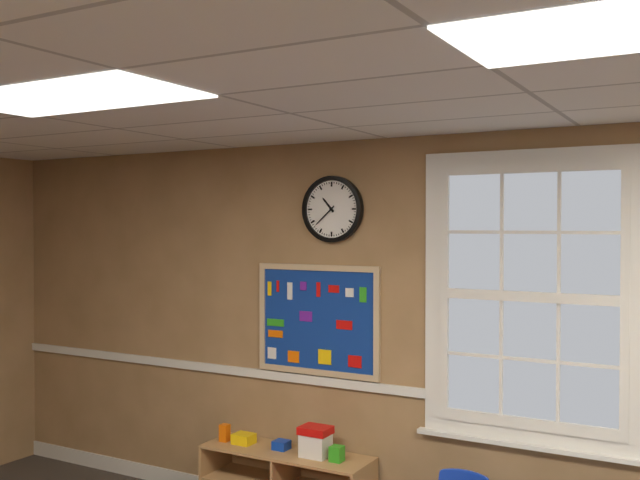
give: {"hour": 10, "minute": 38}
